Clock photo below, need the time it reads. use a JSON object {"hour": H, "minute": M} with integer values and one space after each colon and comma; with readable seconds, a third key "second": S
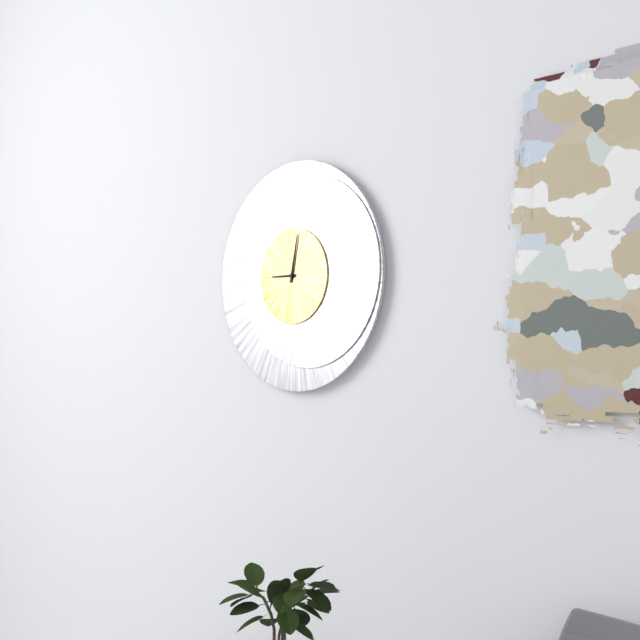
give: {"hour": 9, "minute": 2}
